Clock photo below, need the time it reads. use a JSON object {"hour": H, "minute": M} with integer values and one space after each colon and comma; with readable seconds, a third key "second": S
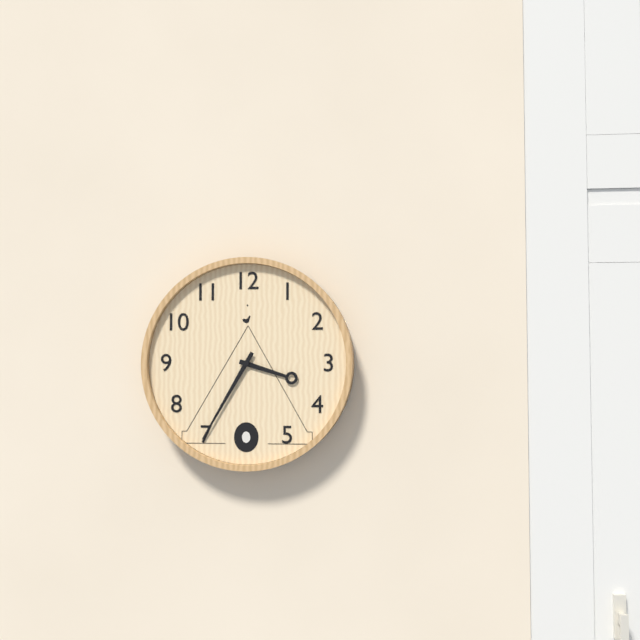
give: {"hour": 3, "minute": 35}
